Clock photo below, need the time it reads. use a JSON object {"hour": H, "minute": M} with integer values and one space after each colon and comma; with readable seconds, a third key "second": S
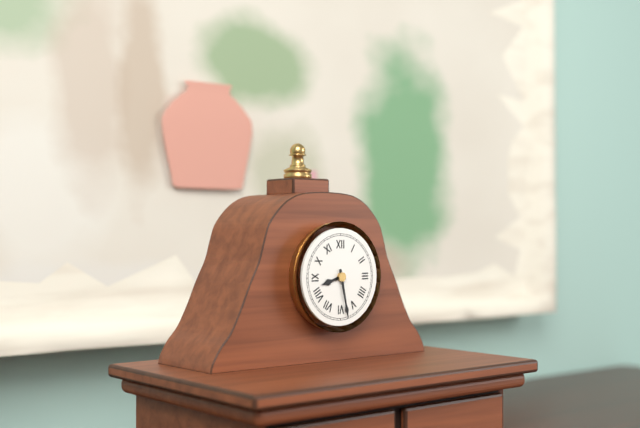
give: {"hour": 8, "minute": 28}
